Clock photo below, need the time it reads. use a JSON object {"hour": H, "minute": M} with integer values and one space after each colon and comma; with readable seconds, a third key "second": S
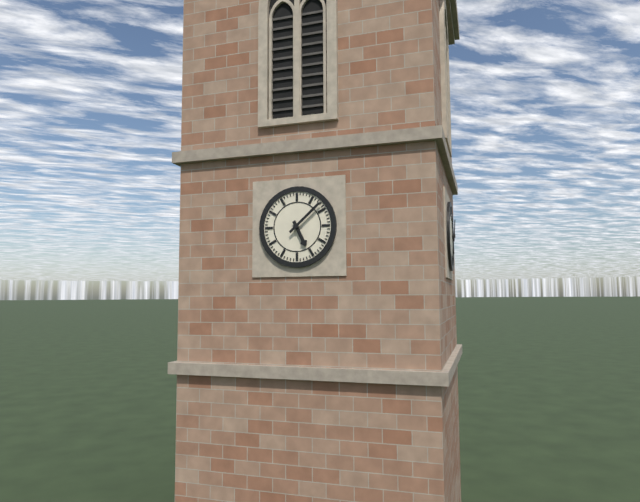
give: {"hour": 5, "minute": 8}
